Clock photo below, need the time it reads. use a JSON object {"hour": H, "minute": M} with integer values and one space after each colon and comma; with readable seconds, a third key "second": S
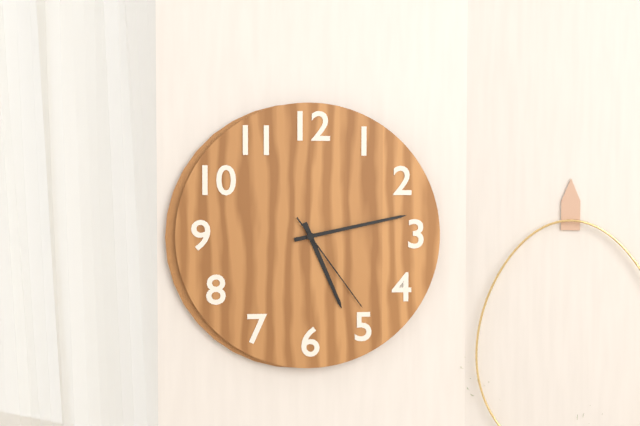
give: {"hour": 5, "minute": 13, "second": 24}
